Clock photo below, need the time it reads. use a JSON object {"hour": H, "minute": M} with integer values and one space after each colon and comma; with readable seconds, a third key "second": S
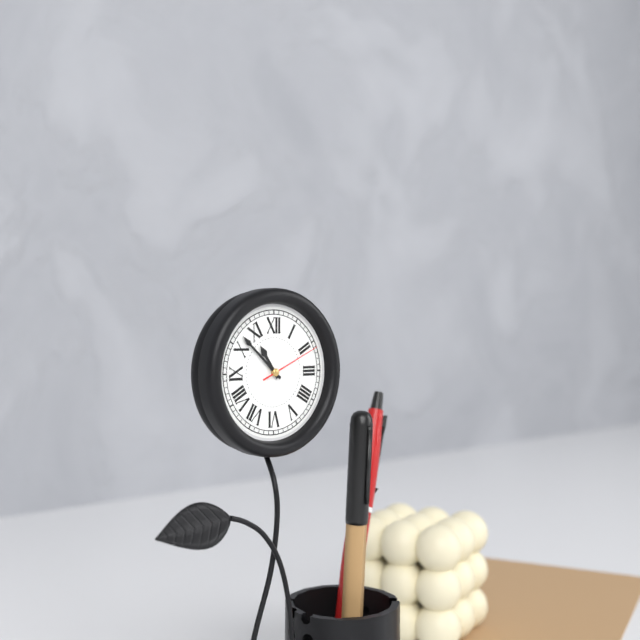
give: {"hour": 10, "minute": 52, "second": 11}
